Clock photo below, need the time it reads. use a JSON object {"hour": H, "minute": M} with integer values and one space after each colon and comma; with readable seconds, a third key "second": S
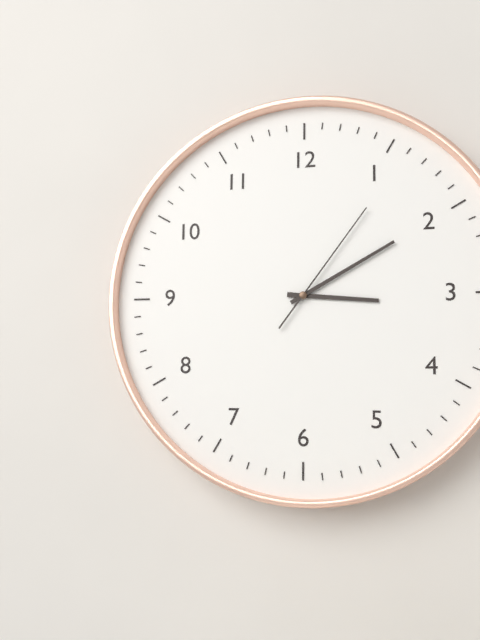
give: {"hour": 3, "minute": 10, "second": 6}
